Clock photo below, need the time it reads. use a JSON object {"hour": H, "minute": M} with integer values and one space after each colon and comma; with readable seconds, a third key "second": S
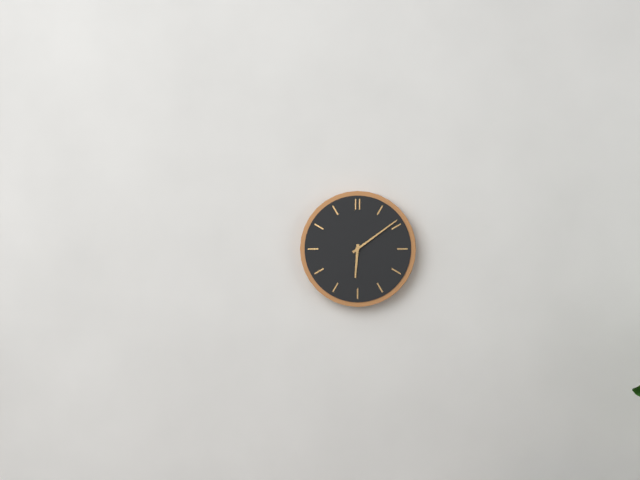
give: {"hour": 6, "minute": 9}
